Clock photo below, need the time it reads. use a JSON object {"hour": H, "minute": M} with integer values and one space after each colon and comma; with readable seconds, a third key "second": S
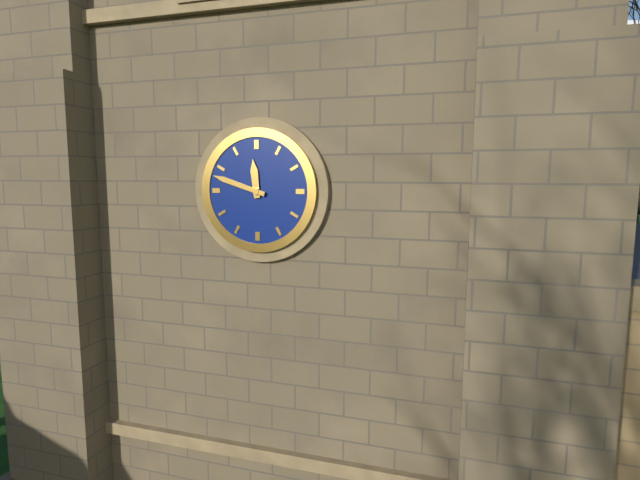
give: {"hour": 11, "minute": 48}
